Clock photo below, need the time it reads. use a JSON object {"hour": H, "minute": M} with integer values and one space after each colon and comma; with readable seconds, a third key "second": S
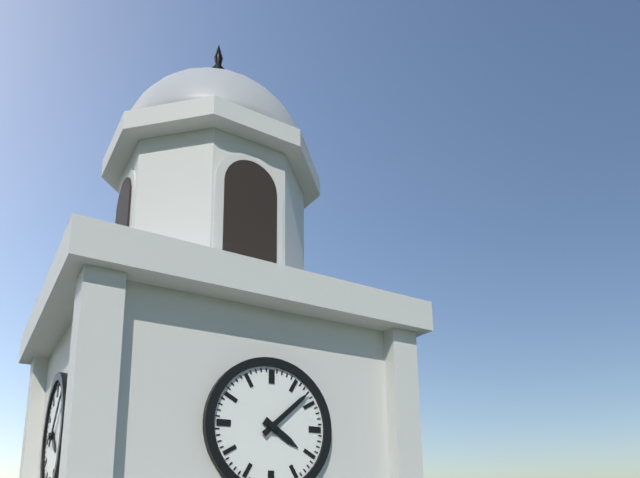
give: {"hour": 4, "minute": 8}
